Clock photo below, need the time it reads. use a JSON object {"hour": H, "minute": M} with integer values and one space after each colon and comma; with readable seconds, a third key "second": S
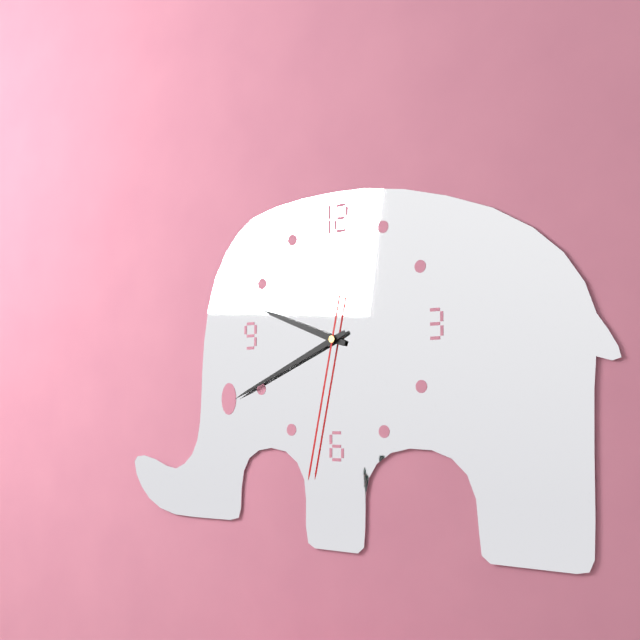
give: {"hour": 9, "minute": 41, "second": 32}
